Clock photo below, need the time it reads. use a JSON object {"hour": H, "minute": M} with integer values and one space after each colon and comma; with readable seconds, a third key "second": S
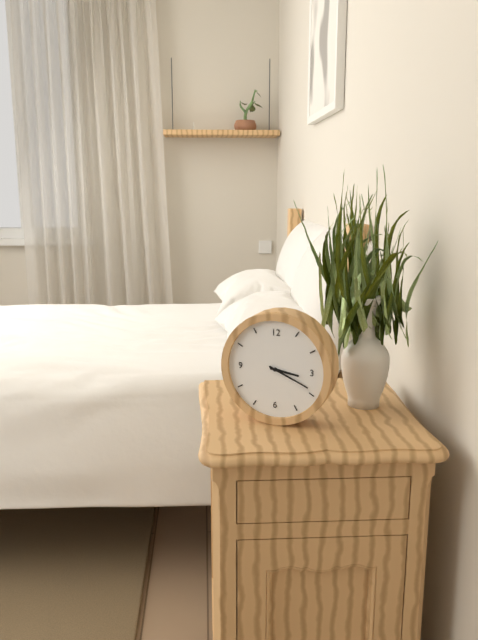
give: {"hour": 3, "minute": 19}
